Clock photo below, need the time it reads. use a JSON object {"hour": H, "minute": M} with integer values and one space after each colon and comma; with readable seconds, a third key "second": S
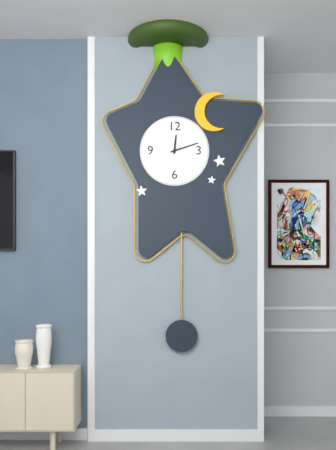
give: {"hour": 12, "minute": 12}
